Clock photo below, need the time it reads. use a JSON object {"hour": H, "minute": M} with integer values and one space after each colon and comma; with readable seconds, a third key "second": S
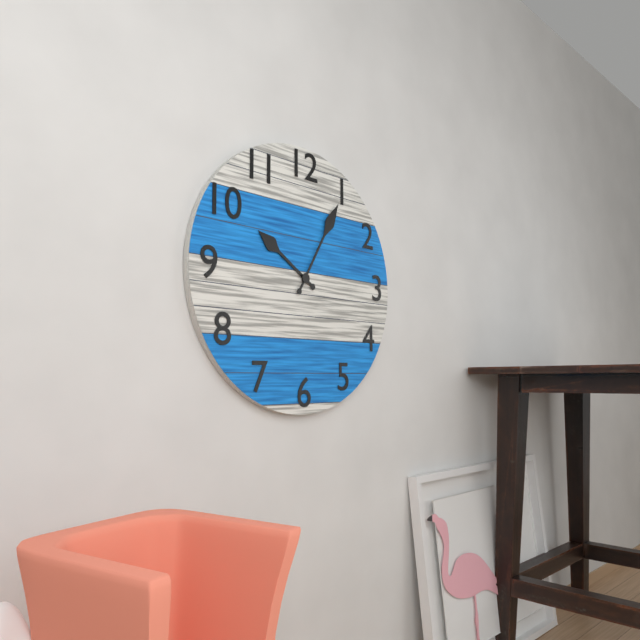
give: {"hour": 10, "minute": 5}
